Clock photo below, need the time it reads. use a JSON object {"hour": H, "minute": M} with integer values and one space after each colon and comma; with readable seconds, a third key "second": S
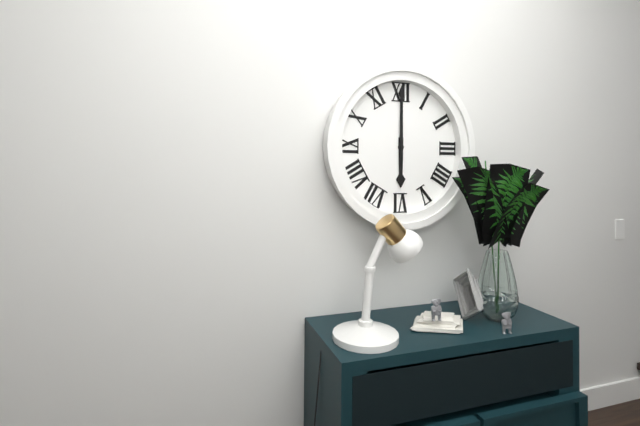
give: {"hour": 6, "minute": 0}
